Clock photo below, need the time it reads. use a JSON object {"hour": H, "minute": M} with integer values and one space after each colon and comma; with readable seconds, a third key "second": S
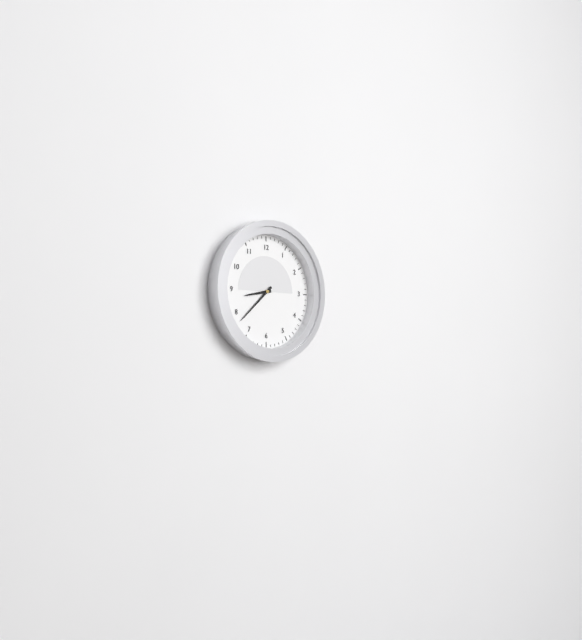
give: {"hour": 8, "minute": 38}
